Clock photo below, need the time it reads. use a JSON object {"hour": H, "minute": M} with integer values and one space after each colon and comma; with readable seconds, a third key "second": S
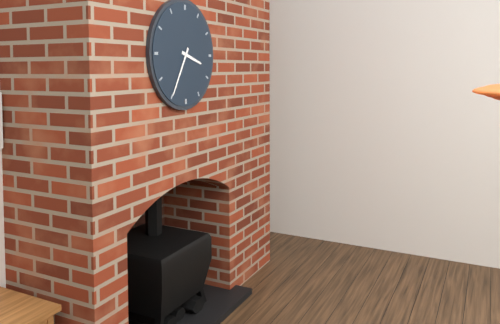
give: {"hour": 3, "minute": 35}
